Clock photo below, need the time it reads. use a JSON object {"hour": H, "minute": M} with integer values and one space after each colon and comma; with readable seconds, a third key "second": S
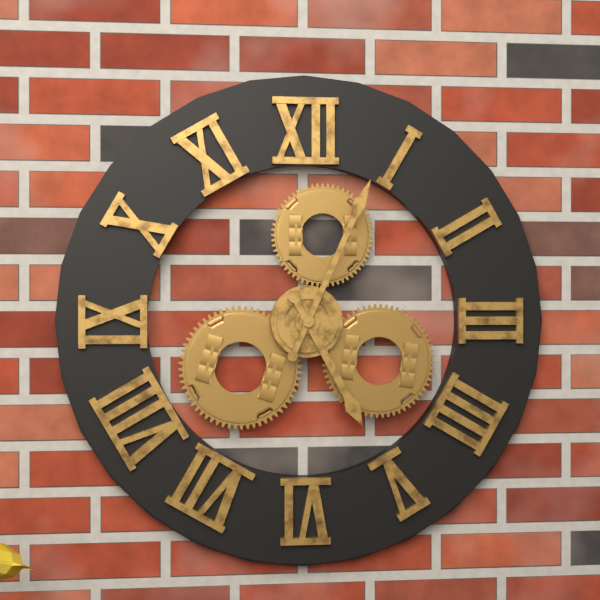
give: {"hour": 5, "minute": 4}
